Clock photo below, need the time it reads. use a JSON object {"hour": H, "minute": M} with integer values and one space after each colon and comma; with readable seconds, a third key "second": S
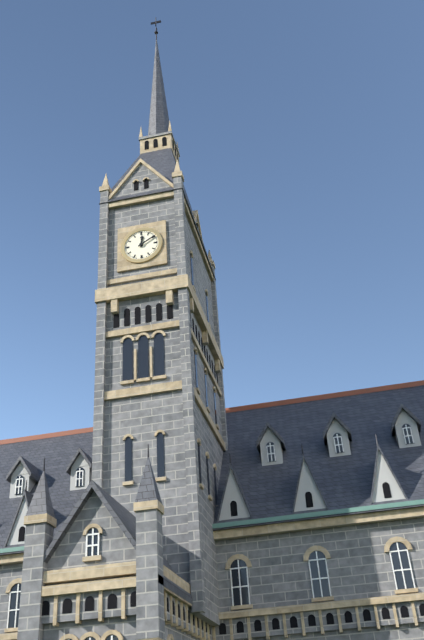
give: {"hour": 12, "minute": 10}
